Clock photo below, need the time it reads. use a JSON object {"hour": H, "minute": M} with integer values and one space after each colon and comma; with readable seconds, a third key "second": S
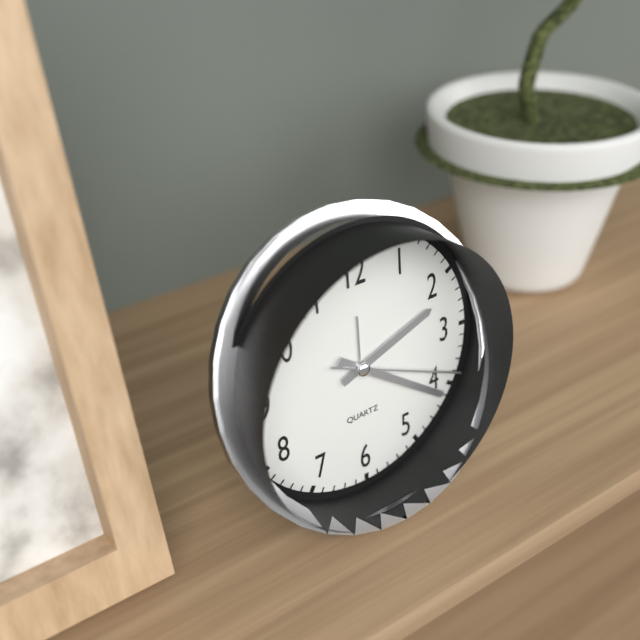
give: {"hour": 2, "minute": 21, "second": 19}
